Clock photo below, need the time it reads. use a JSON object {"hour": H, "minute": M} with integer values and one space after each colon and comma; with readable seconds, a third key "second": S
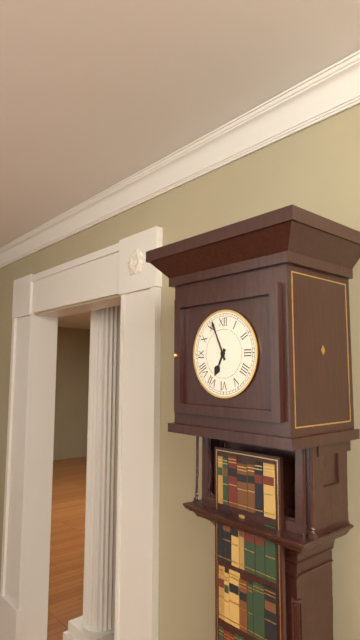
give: {"hour": 6, "minute": 56}
